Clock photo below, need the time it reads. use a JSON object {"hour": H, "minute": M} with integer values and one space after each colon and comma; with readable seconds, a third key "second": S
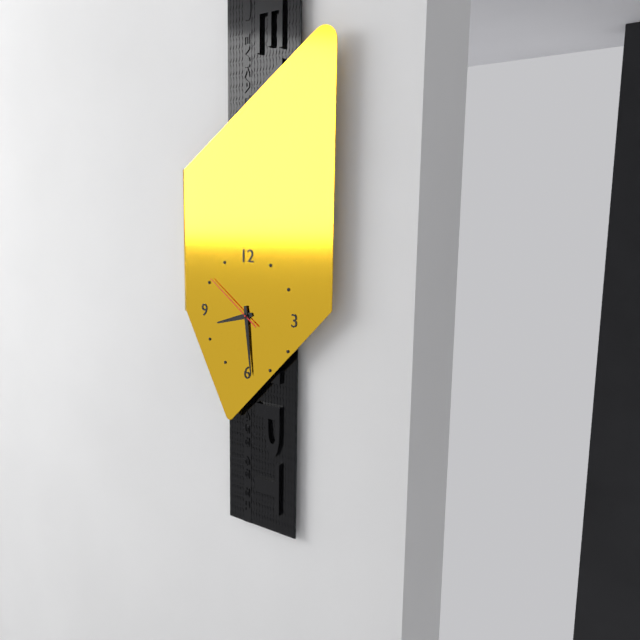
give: {"hour": 8, "minute": 29, "second": 51}
